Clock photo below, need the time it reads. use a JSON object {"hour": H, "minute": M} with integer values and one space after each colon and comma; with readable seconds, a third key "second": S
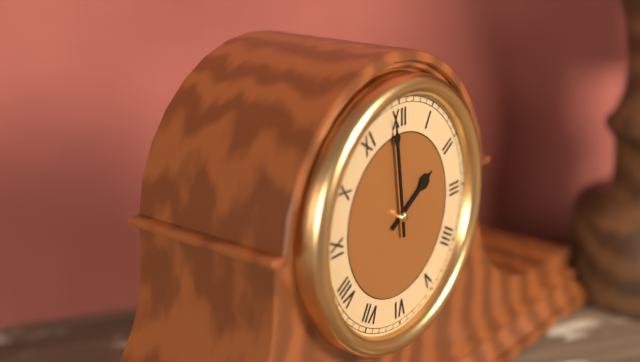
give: {"hour": 1, "minute": 59}
